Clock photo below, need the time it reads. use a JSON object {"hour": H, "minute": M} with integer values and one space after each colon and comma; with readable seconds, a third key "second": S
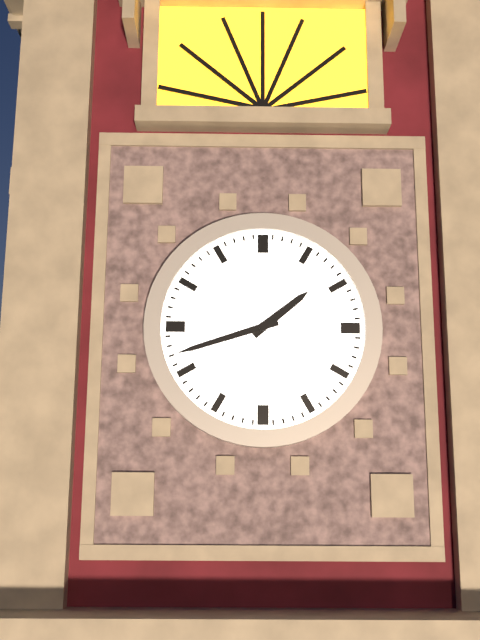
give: {"hour": 1, "minute": 42}
